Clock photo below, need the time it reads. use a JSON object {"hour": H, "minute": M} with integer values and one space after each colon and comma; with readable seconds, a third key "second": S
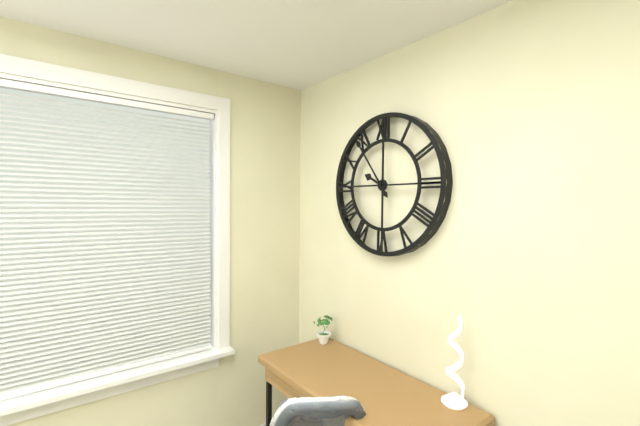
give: {"hour": 9, "minute": 54}
